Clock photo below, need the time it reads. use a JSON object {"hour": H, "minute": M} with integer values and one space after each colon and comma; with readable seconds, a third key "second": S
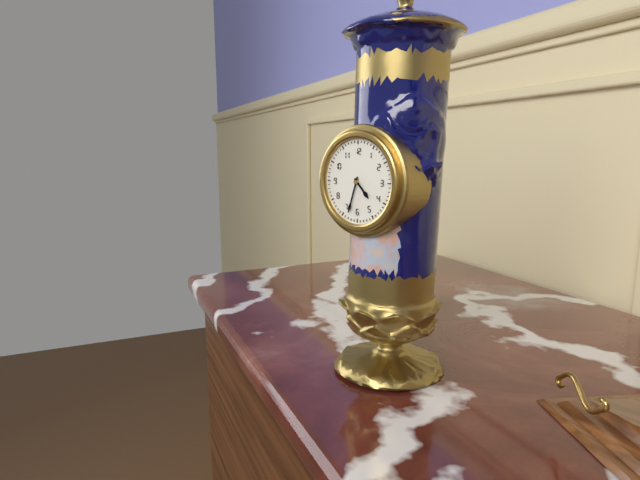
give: {"hour": 4, "minute": 33}
